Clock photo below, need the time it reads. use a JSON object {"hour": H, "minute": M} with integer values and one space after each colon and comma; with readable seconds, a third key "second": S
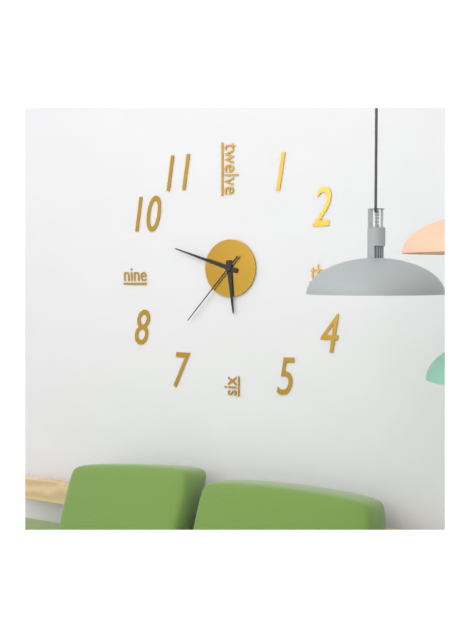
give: {"hour": 5, "minute": 48, "second": 37}
